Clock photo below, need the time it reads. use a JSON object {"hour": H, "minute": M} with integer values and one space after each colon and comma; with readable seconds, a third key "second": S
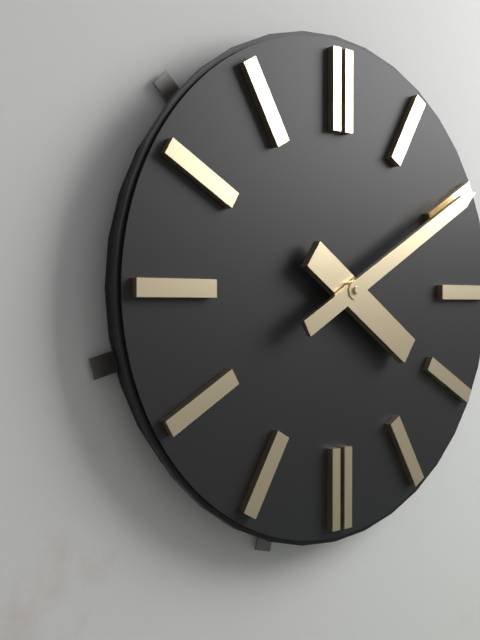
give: {"hour": 4, "minute": 10}
